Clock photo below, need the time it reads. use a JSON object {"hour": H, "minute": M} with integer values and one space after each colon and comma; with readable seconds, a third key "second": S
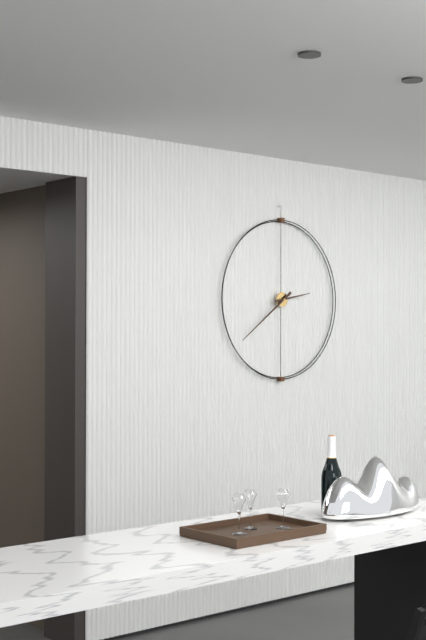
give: {"hour": 2, "minute": 39}
